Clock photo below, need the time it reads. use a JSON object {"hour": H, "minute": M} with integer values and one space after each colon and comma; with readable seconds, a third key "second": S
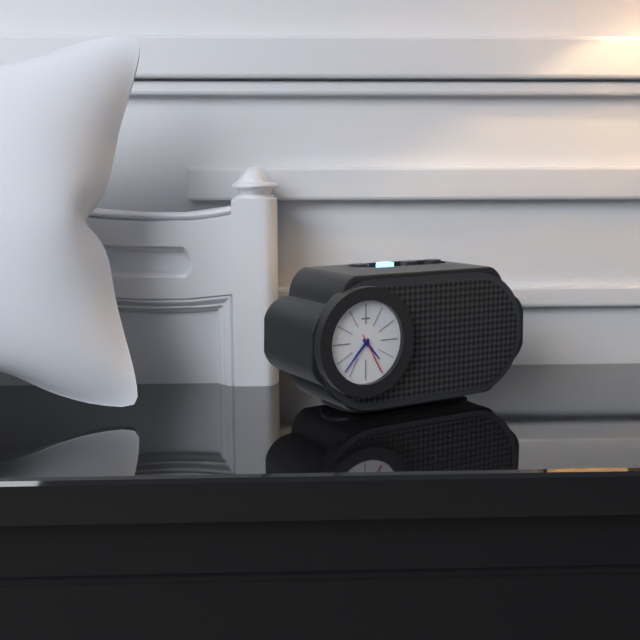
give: {"hour": 4, "minute": 37, "second": 25}
